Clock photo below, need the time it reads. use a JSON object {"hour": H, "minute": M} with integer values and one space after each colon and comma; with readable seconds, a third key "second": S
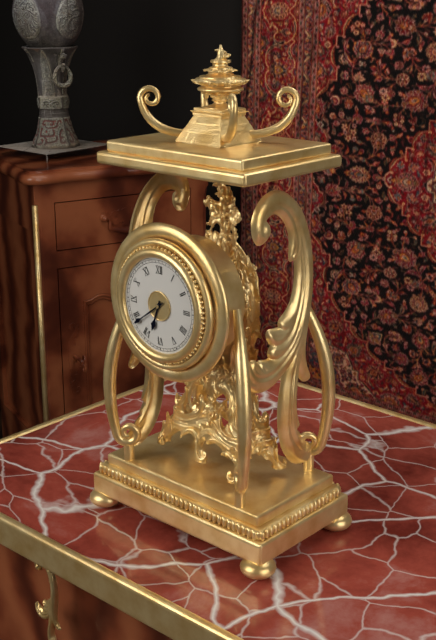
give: {"hour": 6, "minute": 39}
